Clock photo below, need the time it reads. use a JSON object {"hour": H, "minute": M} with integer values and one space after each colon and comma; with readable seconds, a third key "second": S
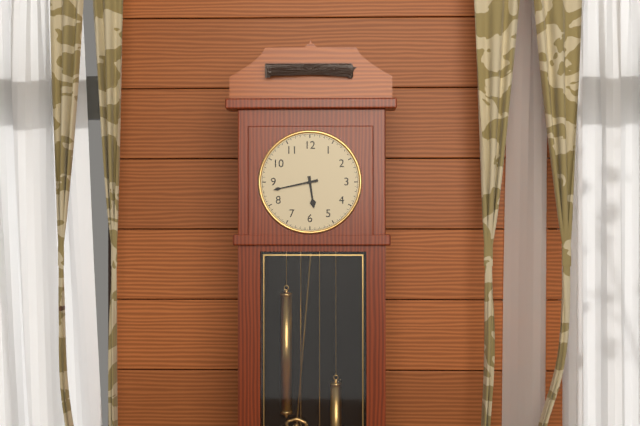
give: {"hour": 5, "minute": 43}
